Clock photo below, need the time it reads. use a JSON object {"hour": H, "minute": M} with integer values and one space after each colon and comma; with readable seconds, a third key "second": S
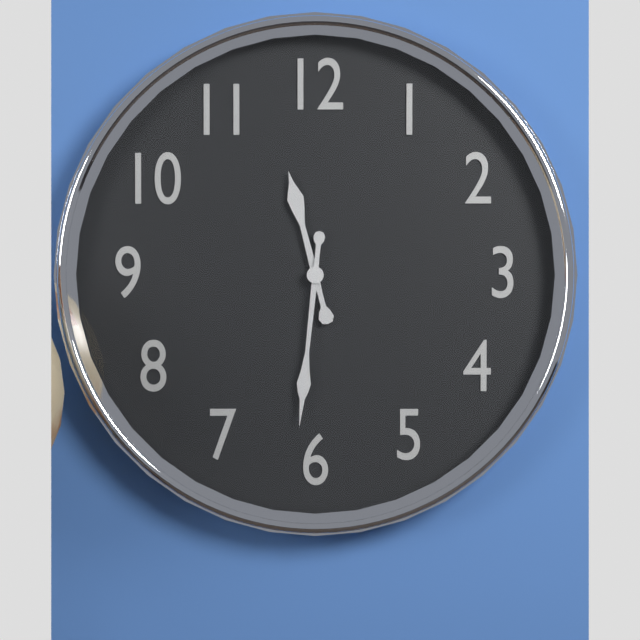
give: {"hour": 11, "minute": 31}
